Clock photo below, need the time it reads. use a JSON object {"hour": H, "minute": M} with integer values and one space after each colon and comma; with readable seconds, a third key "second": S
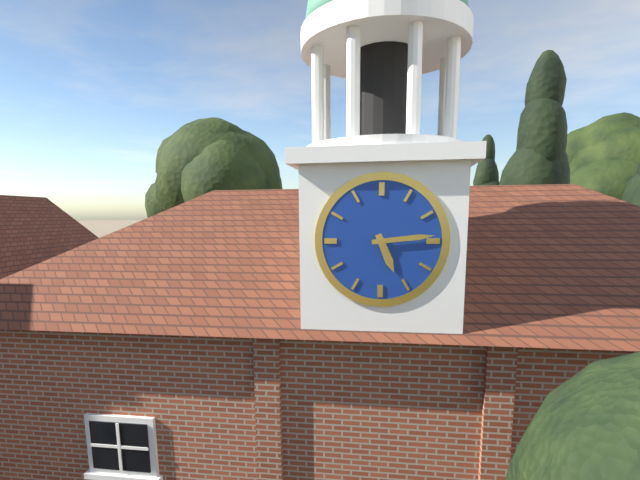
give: {"hour": 5, "minute": 14}
